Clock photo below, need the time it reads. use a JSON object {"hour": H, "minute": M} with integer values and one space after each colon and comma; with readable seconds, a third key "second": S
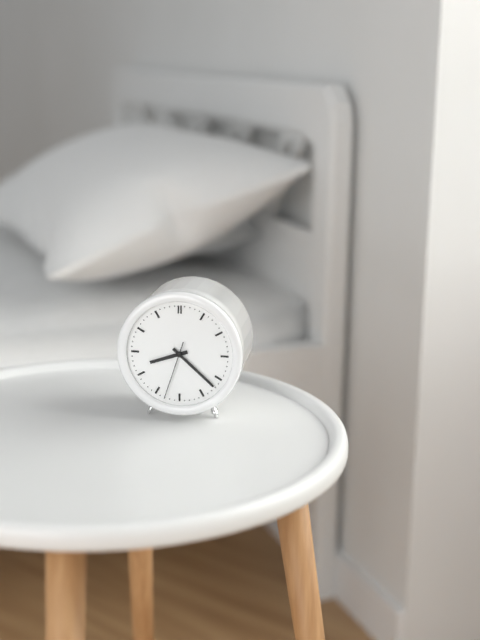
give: {"hour": 8, "minute": 22, "second": 33}
